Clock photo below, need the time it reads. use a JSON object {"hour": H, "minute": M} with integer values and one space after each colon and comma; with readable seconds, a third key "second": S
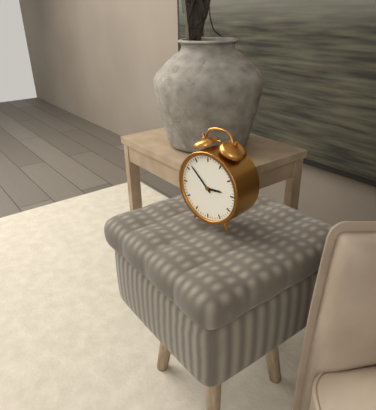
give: {"hour": 2, "minute": 52}
